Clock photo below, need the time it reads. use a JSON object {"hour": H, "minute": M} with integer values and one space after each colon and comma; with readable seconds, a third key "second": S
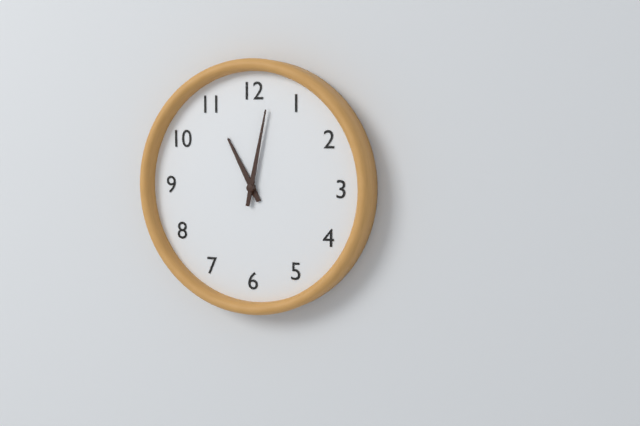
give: {"hour": 11, "minute": 2}
